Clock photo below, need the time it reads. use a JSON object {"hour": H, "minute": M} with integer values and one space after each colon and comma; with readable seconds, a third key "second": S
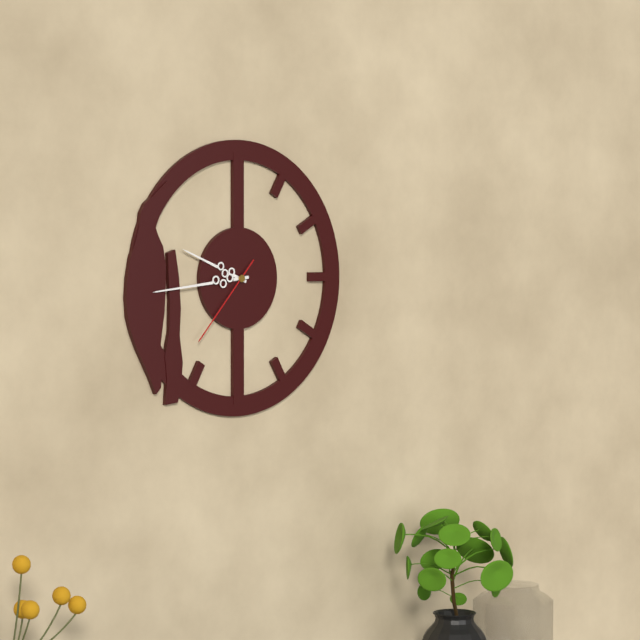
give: {"hour": 9, "minute": 44, "second": 37}
